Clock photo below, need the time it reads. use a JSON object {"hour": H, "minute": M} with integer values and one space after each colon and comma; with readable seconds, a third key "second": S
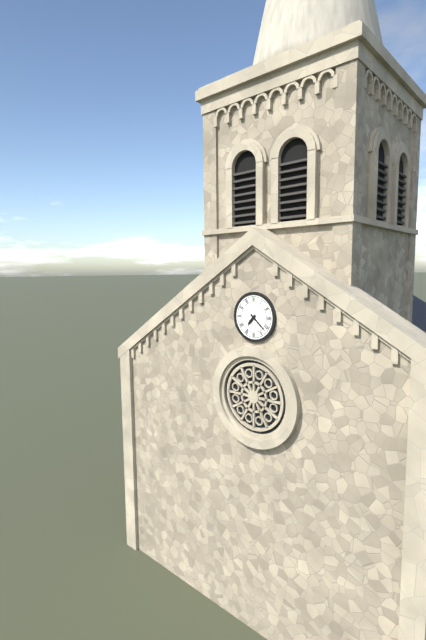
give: {"hour": 7, "minute": 22}
